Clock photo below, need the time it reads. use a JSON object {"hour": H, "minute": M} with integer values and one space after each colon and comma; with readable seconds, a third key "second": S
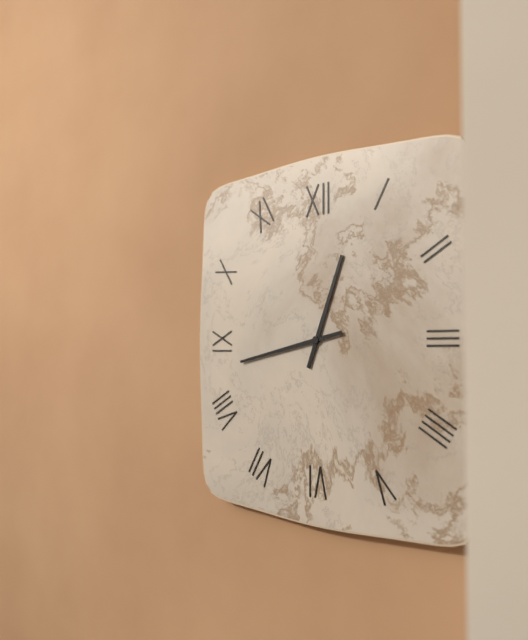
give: {"hour": 12, "minute": 43}
